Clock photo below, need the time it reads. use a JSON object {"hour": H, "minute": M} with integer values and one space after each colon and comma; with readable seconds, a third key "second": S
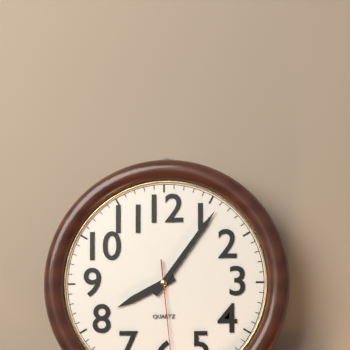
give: {"hour": 8, "minute": 6}
